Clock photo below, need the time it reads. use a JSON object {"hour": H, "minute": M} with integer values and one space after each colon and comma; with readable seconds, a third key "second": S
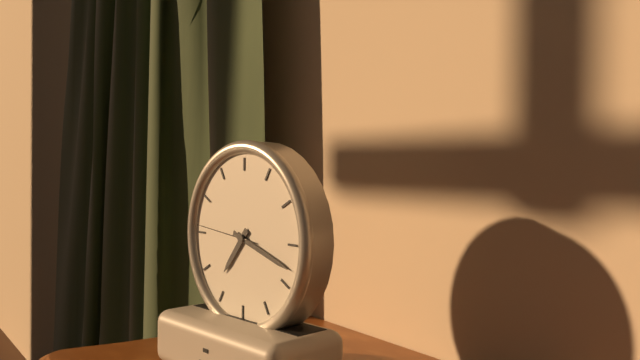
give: {"hour": 7, "minute": 18, "second": 46}
